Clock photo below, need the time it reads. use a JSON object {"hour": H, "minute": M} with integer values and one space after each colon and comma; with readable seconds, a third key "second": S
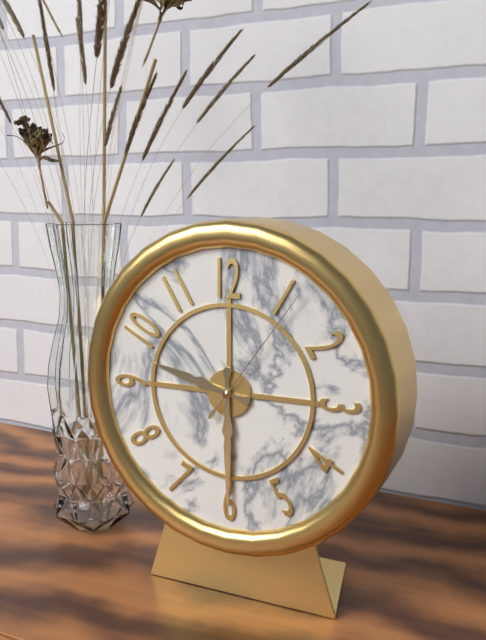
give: {"hour": 9, "minute": 30, "second": 6}
